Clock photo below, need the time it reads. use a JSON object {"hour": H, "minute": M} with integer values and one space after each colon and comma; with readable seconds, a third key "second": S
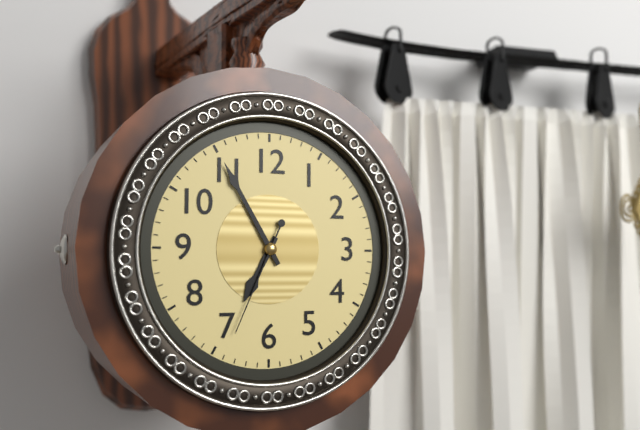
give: {"hour": 6, "minute": 55, "second": 34}
